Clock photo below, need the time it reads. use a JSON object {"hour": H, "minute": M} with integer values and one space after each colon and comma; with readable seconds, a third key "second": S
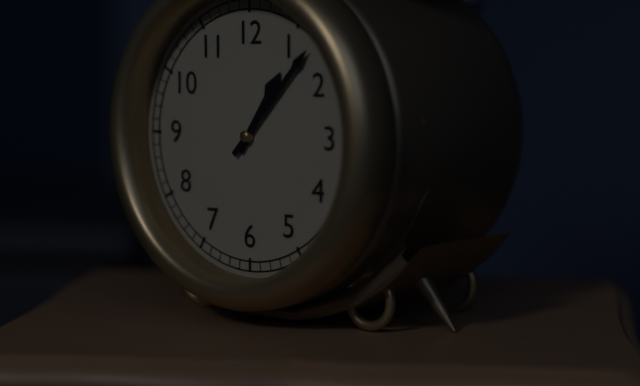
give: {"hour": 1, "minute": 7}
